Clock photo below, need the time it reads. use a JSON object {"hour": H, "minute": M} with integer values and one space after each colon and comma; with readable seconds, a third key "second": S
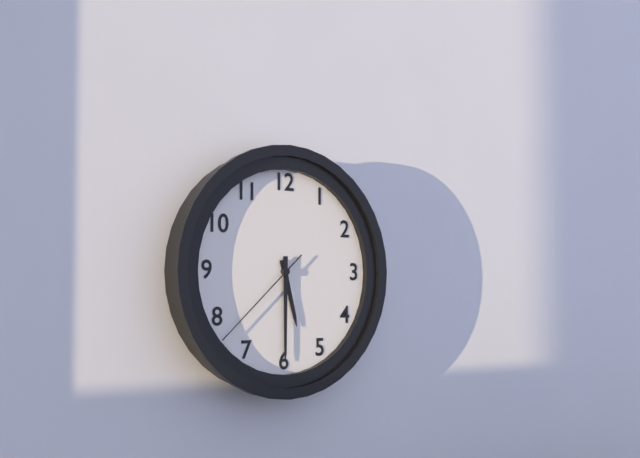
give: {"hour": 5, "minute": 30, "second": 38}
